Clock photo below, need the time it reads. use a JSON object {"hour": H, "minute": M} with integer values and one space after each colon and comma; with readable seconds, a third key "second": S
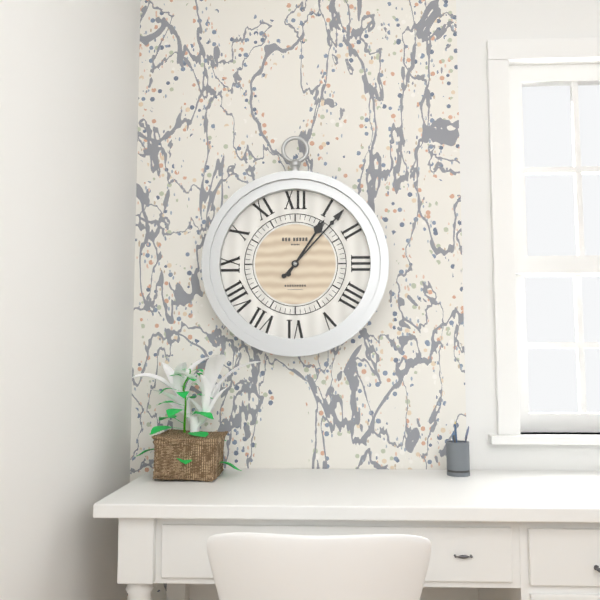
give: {"hour": 1, "minute": 7}
